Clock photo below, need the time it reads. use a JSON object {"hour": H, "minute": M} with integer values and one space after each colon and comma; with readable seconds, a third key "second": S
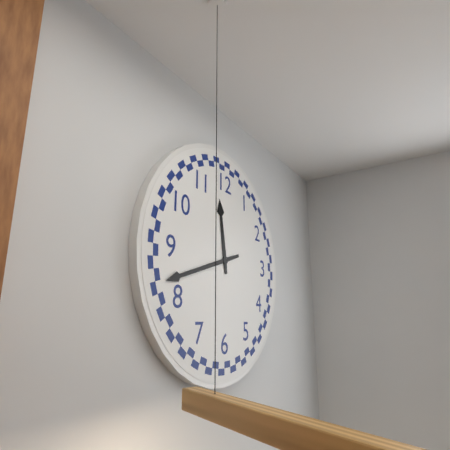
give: {"hour": 11, "minute": 42}
